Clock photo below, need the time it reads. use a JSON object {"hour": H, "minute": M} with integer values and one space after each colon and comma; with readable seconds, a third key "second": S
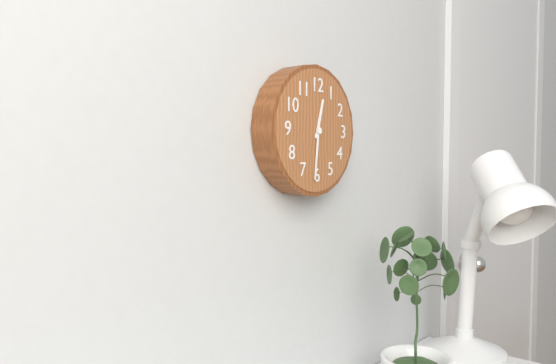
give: {"hour": 12, "minute": 31}
